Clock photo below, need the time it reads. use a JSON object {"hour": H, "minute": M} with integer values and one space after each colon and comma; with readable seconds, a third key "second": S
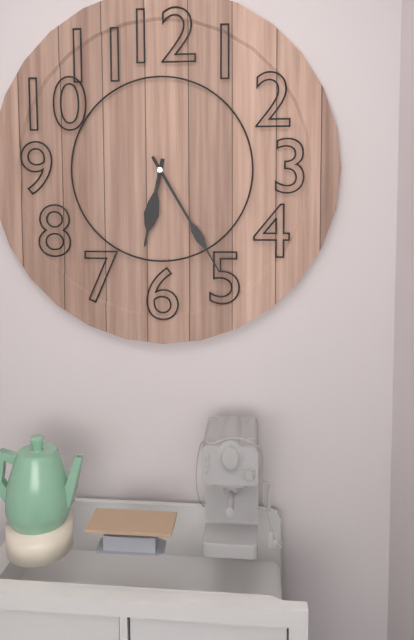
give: {"hour": 6, "minute": 25}
